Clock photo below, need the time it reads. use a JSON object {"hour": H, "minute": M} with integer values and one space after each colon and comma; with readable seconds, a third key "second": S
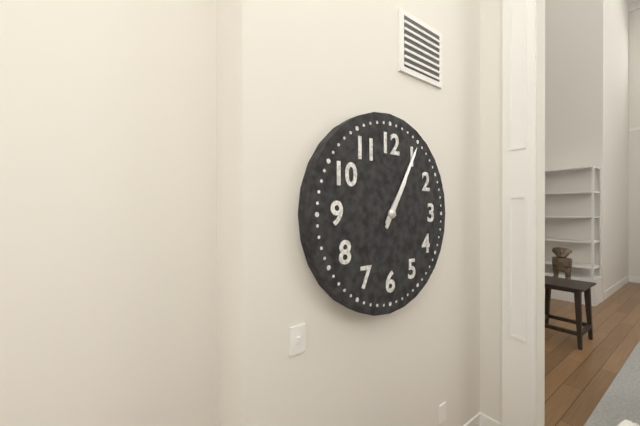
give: {"hour": 1, "minute": 5}
